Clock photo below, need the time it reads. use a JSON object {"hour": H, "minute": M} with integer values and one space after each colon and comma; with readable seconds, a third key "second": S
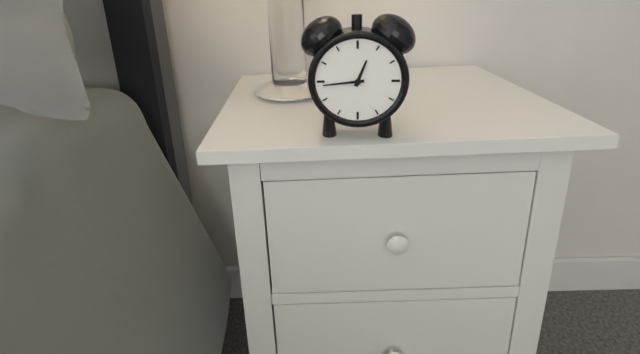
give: {"hour": 12, "minute": 44}
